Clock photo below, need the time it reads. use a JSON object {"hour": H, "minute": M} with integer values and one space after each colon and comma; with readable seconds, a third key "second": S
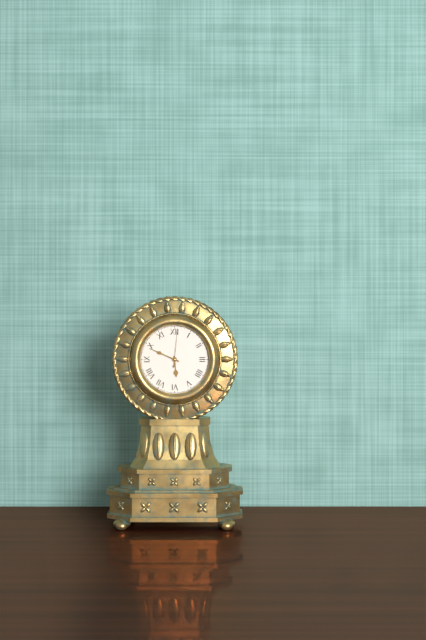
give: {"hour": 5, "minute": 49}
